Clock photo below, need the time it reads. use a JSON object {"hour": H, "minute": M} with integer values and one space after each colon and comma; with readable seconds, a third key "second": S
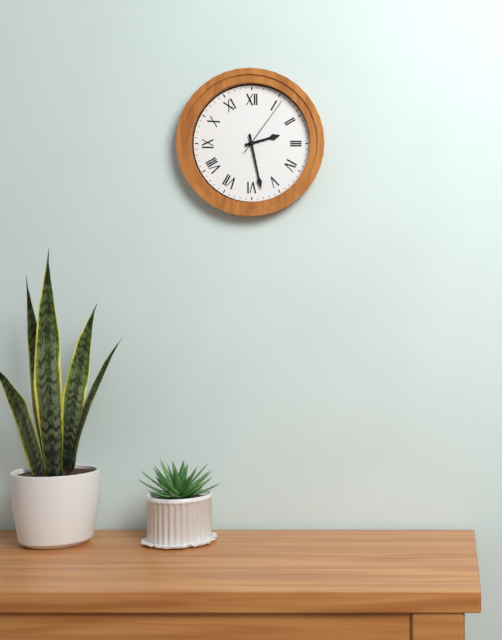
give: {"hour": 2, "minute": 28, "second": 6}
